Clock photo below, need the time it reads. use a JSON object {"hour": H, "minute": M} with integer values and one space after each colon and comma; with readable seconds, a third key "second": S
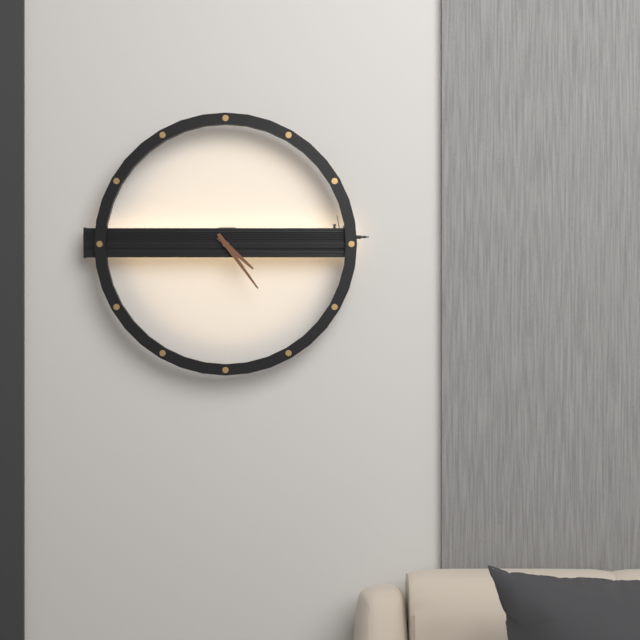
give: {"hour": 4, "minute": 24}
